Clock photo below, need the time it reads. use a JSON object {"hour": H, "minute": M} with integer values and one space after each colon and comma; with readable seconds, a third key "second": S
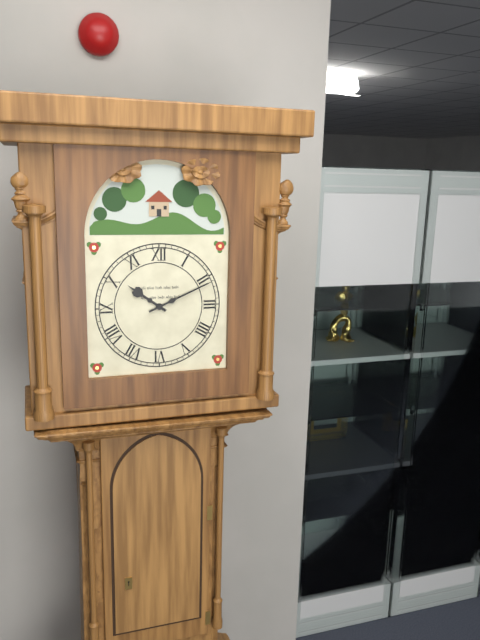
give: {"hour": 10, "minute": 11}
